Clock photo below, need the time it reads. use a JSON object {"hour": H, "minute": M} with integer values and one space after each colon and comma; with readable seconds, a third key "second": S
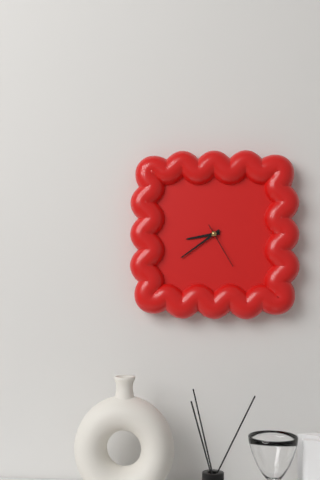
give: {"hour": 8, "minute": 39}
